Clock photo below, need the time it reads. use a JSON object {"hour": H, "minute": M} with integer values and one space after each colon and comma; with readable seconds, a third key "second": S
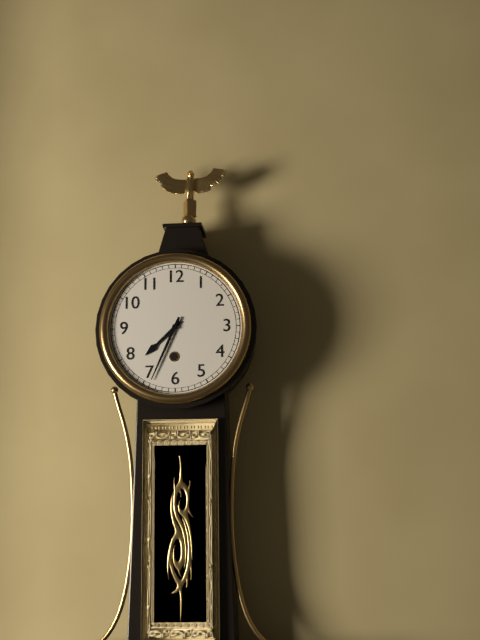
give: {"hour": 7, "minute": 34}
